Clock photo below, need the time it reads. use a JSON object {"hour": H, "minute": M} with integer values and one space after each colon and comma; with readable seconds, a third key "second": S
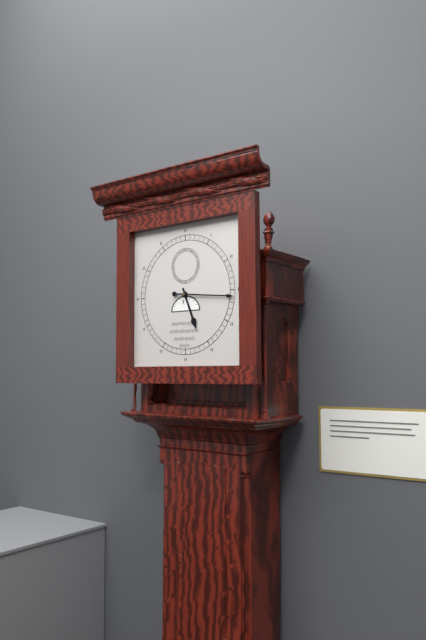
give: {"hour": 5, "minute": 16}
